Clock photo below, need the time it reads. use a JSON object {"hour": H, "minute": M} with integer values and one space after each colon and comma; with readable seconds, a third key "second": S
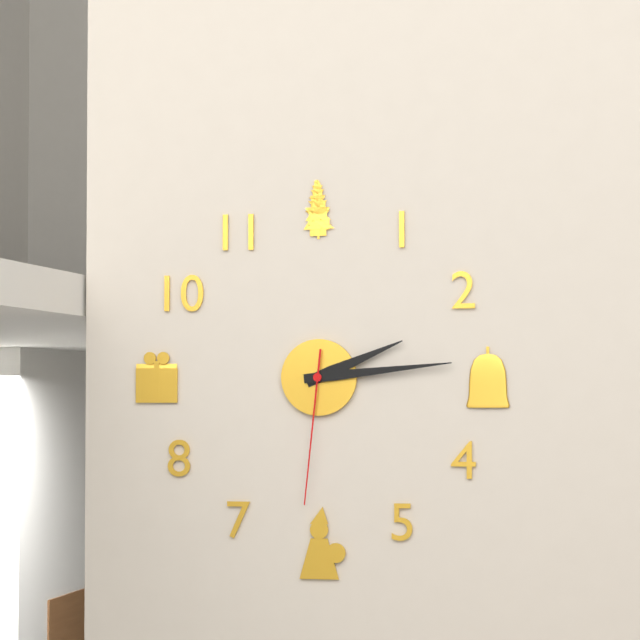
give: {"hour": 2, "minute": 14, "second": 31}
